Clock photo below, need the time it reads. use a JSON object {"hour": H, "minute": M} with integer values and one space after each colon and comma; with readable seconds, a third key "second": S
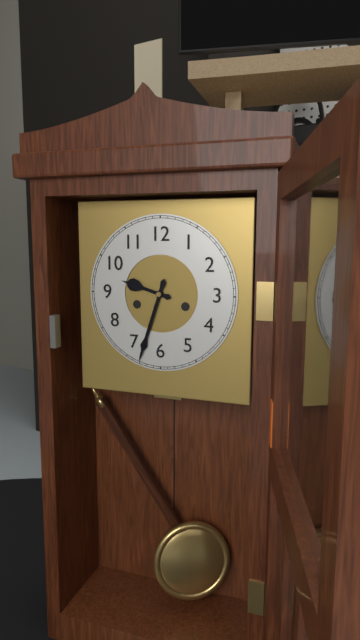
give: {"hour": 9, "minute": 33}
